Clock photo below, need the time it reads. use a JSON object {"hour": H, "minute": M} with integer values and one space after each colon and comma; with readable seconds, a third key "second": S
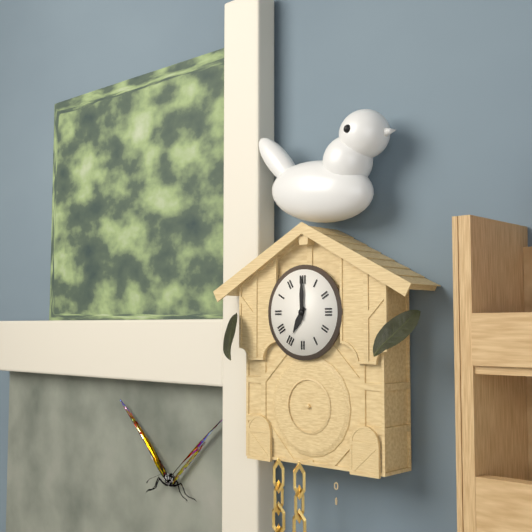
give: {"hour": 7, "minute": 0}
